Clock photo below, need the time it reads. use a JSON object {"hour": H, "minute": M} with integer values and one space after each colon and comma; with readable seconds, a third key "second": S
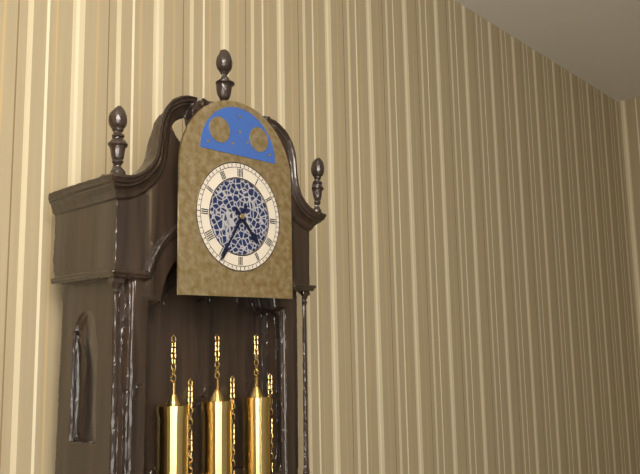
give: {"hour": 4, "minute": 35}
